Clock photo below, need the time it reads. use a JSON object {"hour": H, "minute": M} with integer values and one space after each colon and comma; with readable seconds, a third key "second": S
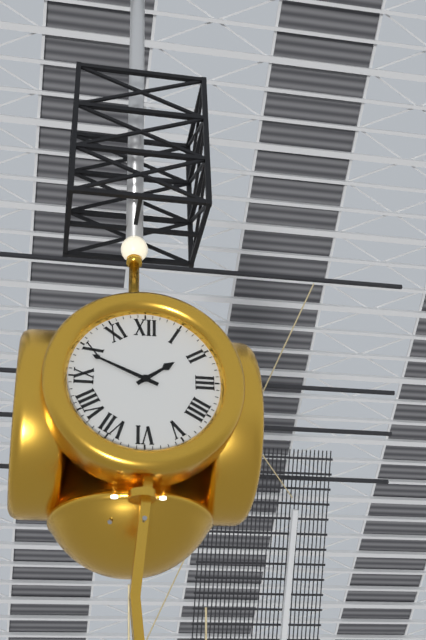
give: {"hour": 1, "minute": 49}
